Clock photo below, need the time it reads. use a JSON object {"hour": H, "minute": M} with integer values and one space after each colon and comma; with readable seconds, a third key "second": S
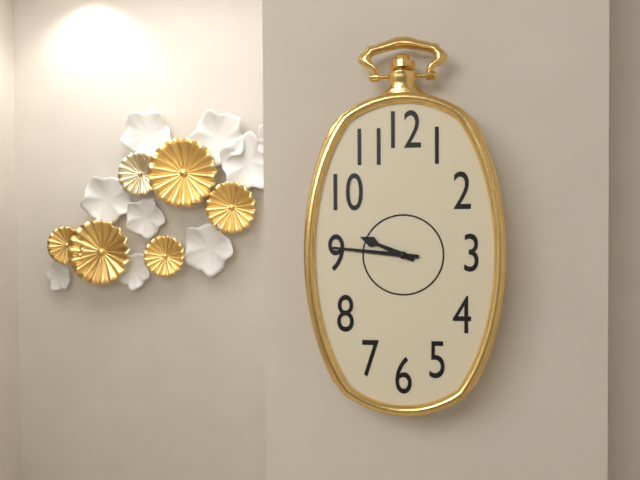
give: {"hour": 9, "minute": 46}
